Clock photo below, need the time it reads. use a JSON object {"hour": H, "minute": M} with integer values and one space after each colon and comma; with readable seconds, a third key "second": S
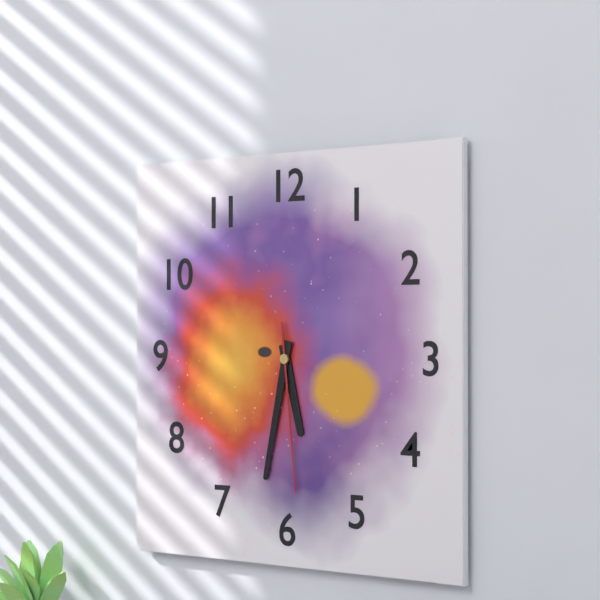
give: {"hour": 5, "minute": 32, "second": 29}
